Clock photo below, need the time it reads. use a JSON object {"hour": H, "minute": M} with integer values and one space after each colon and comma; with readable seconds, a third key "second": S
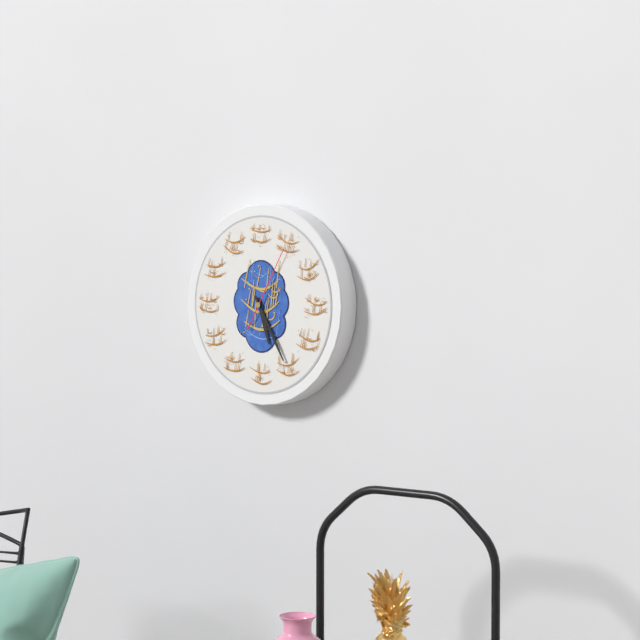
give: {"hour": 5, "minute": 25, "second": 5}
